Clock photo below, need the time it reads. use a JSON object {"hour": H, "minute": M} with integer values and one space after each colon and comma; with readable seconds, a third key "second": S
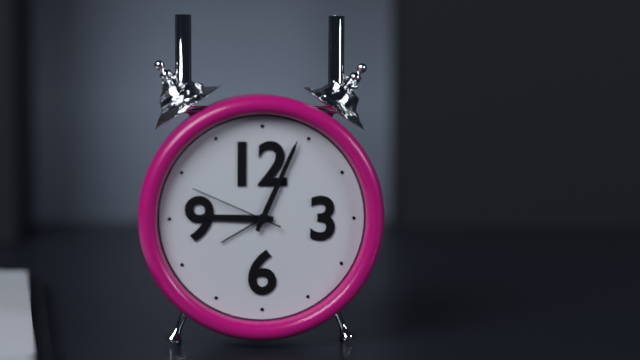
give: {"hour": 9, "minute": 4, "second": 49}
